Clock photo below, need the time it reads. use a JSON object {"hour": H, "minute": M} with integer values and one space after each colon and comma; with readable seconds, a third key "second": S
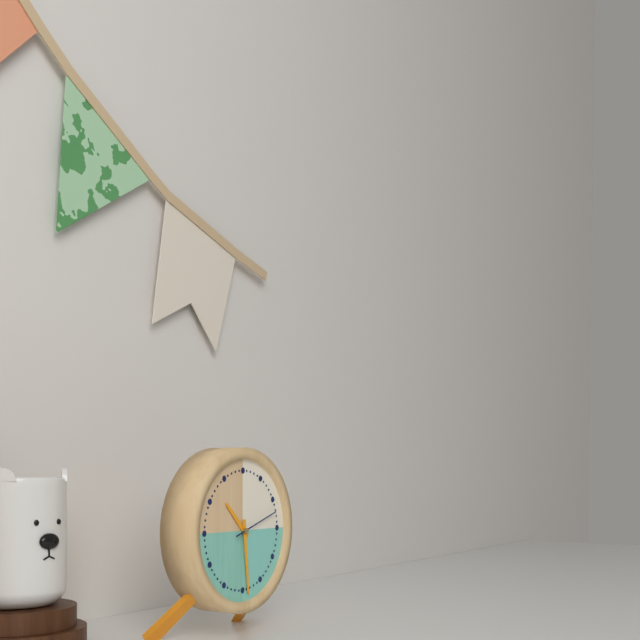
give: {"hour": 10, "minute": 29}
